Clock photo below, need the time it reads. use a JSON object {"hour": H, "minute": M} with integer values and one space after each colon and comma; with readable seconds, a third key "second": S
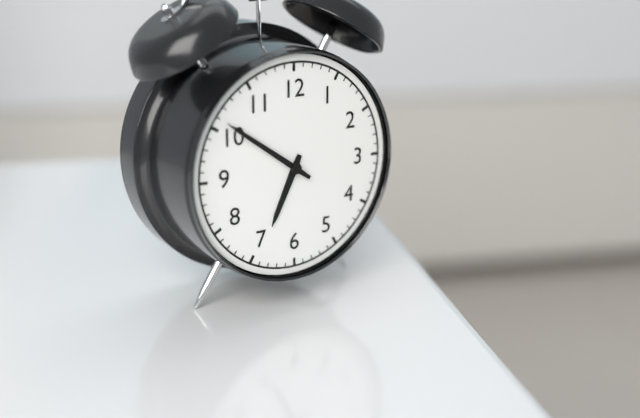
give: {"hour": 6, "minute": 51}
